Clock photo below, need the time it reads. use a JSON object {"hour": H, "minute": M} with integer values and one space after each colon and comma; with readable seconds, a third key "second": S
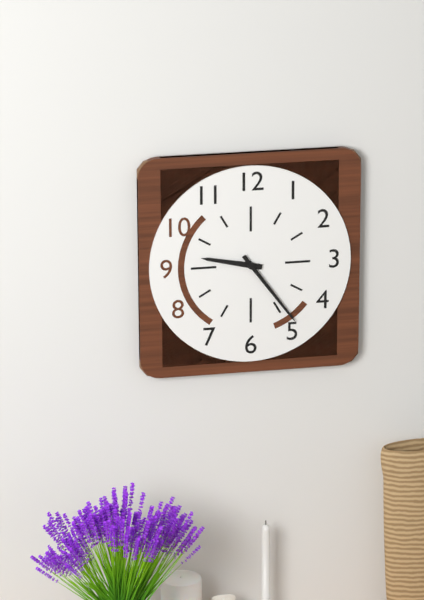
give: {"hour": 9, "minute": 24}
